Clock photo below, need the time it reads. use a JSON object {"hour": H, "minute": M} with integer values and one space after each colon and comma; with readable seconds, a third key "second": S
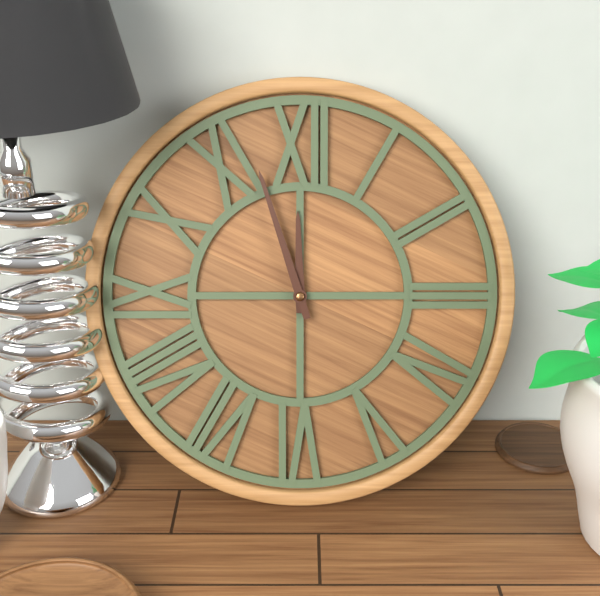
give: {"hour": 11, "minute": 57}
